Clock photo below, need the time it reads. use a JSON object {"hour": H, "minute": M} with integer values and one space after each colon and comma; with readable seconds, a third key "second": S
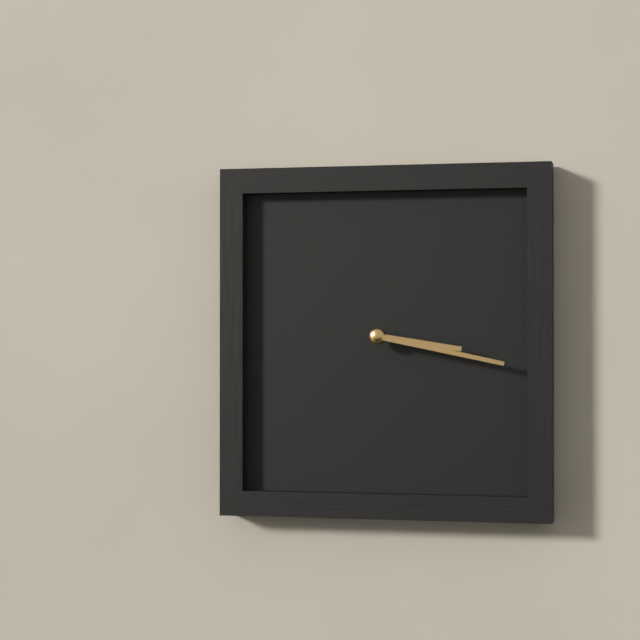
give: {"hour": 3, "minute": 17}
